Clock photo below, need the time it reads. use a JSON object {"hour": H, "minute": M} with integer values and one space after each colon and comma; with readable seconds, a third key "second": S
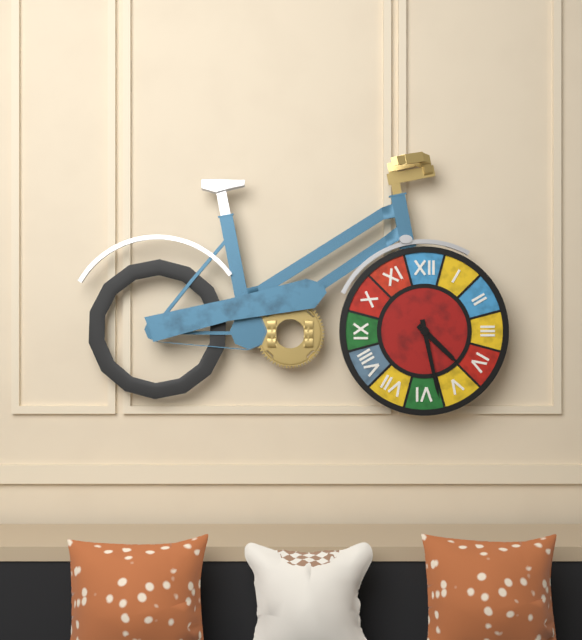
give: {"hour": 4, "minute": 28}
